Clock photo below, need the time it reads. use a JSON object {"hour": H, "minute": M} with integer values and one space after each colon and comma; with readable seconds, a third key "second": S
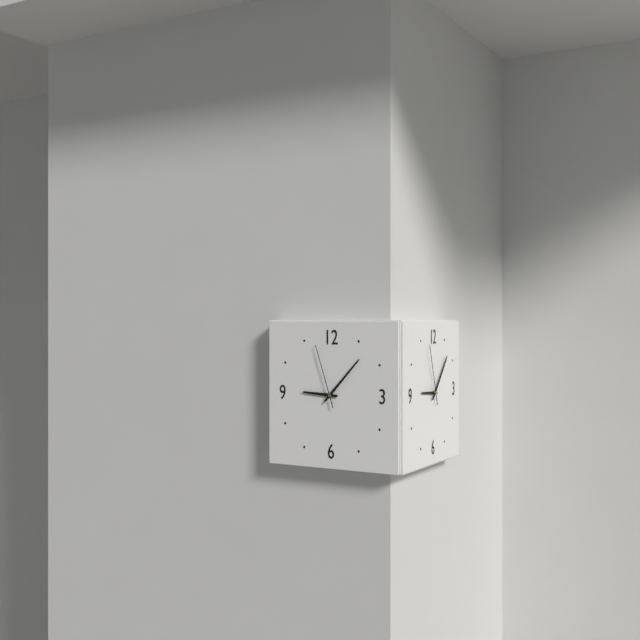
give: {"hour": 9, "minute": 7, "second": 57}
